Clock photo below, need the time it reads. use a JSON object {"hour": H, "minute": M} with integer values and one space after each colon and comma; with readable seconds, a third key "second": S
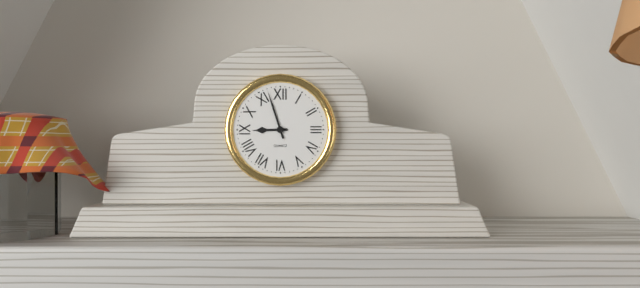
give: {"hour": 8, "minute": 57}
